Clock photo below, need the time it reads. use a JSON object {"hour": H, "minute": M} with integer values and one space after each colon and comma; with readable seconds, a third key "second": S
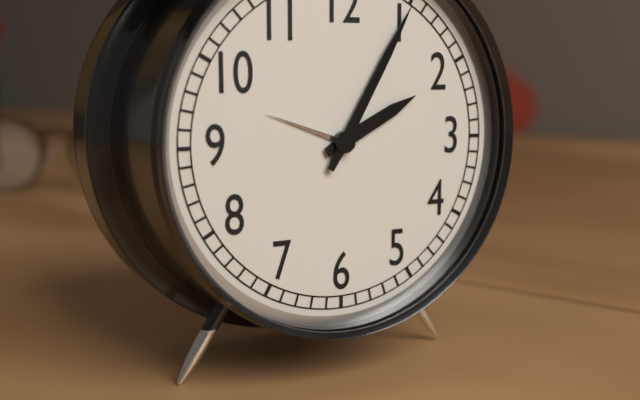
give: {"hour": 2, "minute": 5}
